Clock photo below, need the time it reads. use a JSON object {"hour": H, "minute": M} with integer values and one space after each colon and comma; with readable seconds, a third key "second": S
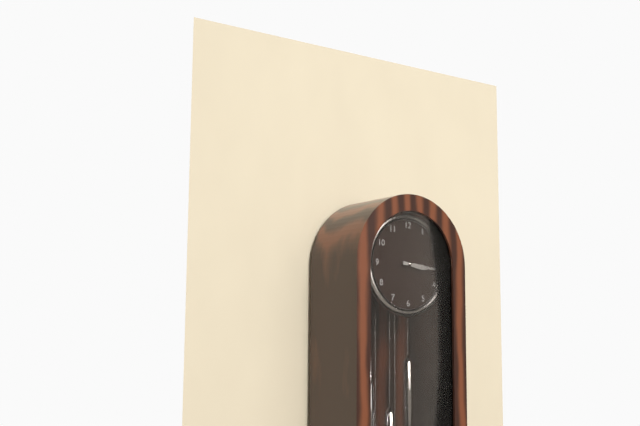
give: {"hour": 3, "minute": 16}
